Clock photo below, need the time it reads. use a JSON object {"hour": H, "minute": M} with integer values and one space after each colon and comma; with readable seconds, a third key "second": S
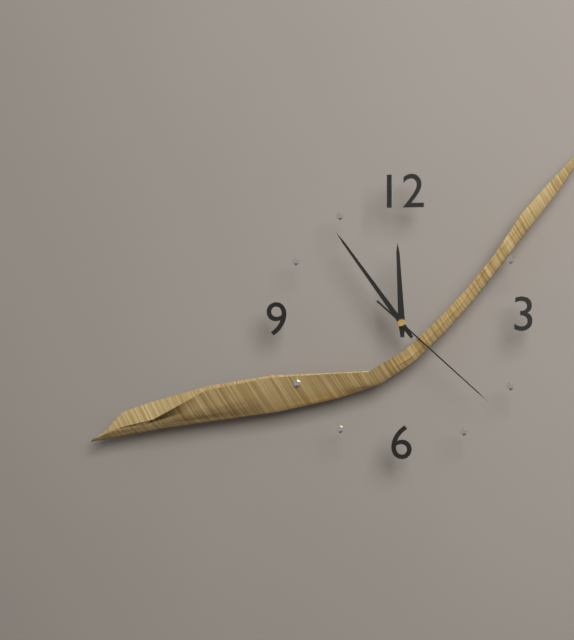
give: {"hour": 11, "minute": 54, "second": 22}
